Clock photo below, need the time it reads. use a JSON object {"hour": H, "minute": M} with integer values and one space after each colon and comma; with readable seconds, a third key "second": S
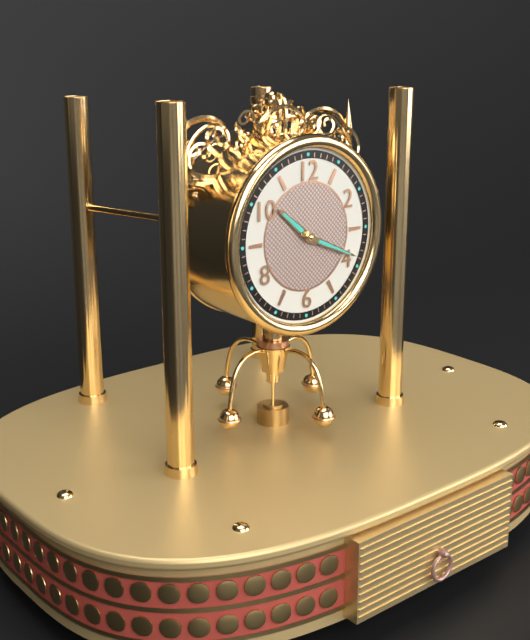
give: {"hour": 10, "minute": 19}
